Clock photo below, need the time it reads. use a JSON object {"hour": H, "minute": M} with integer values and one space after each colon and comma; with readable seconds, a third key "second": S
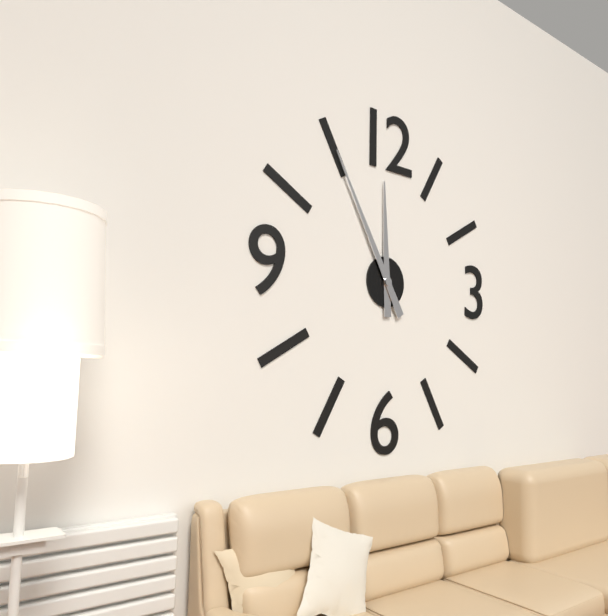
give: {"hour": 11, "minute": 55}
